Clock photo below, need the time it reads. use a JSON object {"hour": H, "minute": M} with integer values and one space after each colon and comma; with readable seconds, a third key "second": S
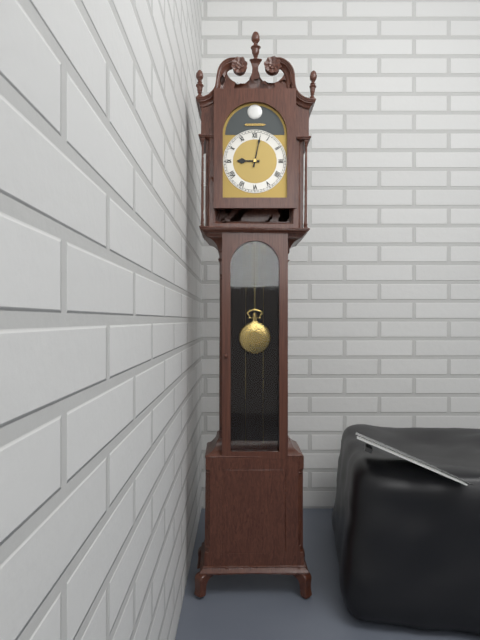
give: {"hour": 9, "minute": 2}
